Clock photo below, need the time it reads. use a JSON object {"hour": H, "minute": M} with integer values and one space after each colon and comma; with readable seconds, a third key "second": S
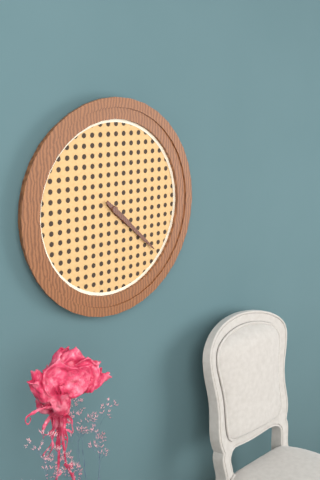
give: {"hour": 4, "minute": 22}
